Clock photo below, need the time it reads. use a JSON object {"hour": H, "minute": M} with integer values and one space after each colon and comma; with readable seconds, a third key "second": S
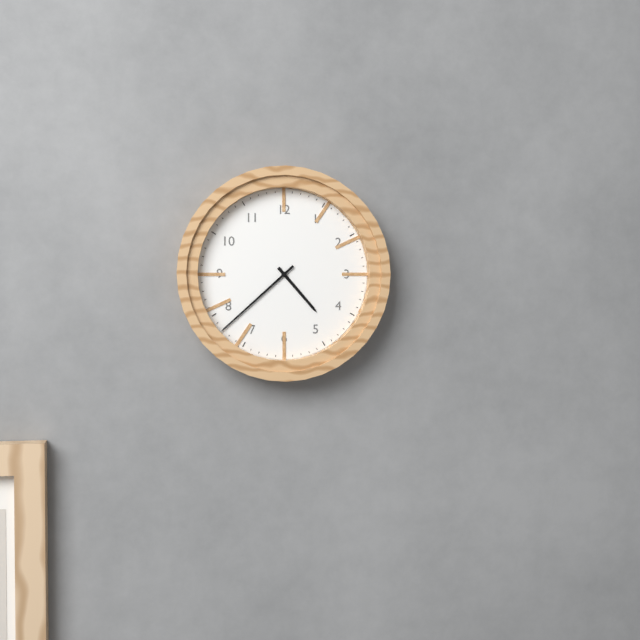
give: {"hour": 4, "minute": 38}
